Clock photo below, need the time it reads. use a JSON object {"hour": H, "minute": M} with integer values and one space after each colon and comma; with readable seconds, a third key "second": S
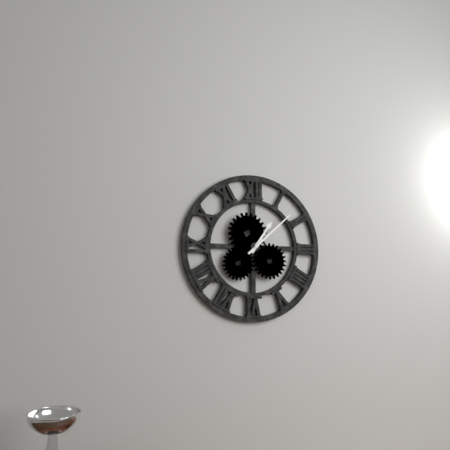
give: {"hour": 1, "minute": 8}
